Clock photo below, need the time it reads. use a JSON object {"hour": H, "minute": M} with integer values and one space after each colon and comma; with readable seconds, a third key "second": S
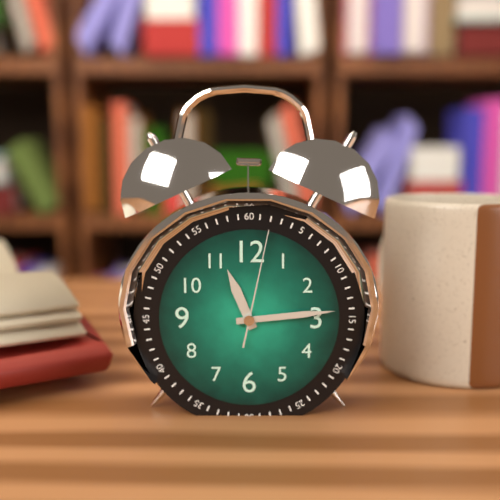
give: {"hour": 11, "minute": 14, "second": 2}
